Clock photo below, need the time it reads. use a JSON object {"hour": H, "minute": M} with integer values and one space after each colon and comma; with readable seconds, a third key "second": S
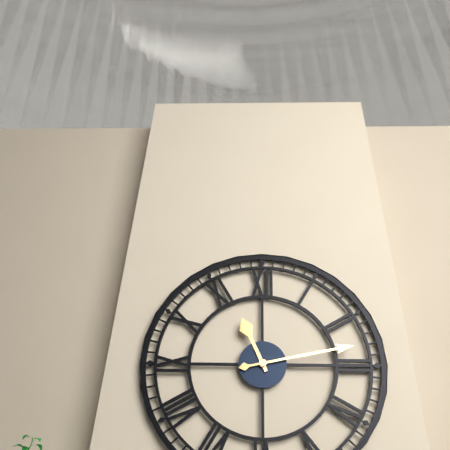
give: {"hour": 11, "minute": 13}
